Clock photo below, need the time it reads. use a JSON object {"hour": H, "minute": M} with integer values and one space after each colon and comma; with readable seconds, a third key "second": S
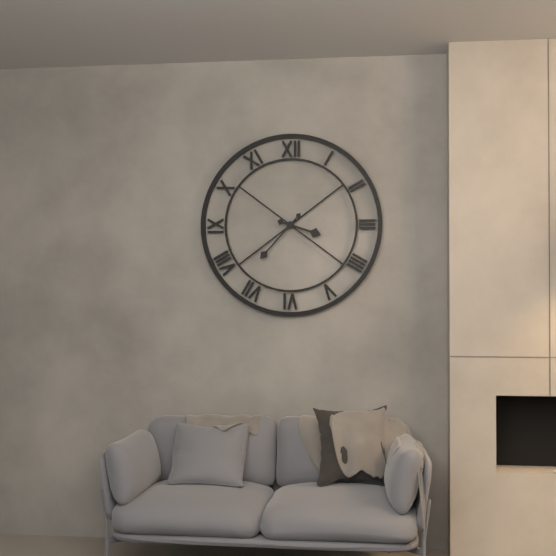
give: {"hour": 3, "minute": 37}
